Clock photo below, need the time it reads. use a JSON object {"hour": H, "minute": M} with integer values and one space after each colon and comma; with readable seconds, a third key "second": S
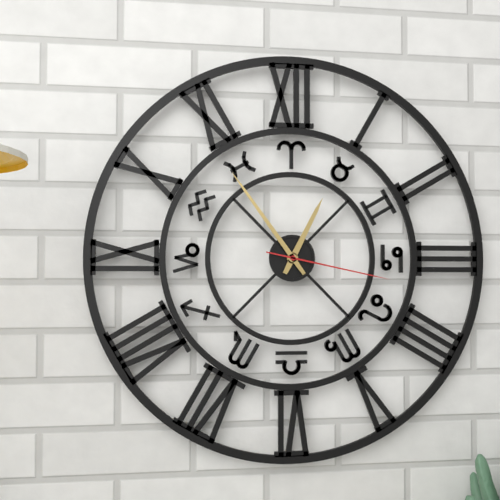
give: {"hour": 12, "minute": 54, "second": 17}
